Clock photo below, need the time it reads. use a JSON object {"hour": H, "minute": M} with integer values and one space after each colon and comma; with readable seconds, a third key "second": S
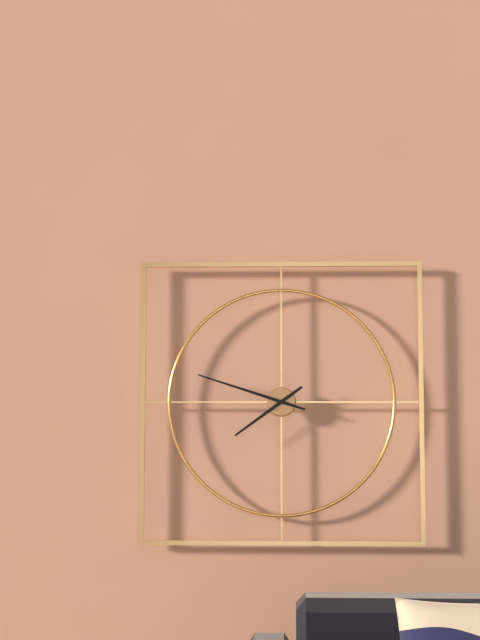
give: {"hour": 7, "minute": 48}
